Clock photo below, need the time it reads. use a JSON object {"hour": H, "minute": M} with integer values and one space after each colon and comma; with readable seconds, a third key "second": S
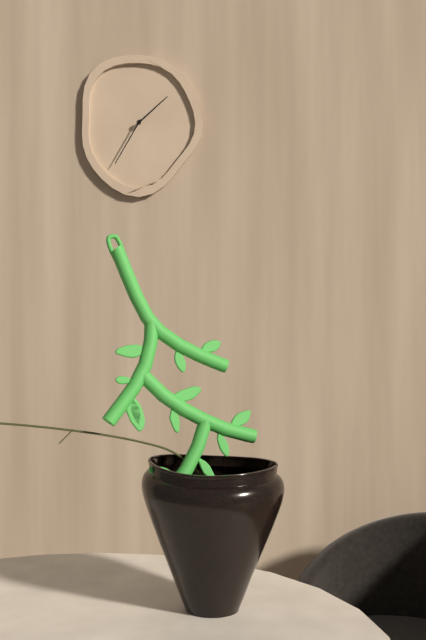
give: {"hour": 1, "minute": 35}
